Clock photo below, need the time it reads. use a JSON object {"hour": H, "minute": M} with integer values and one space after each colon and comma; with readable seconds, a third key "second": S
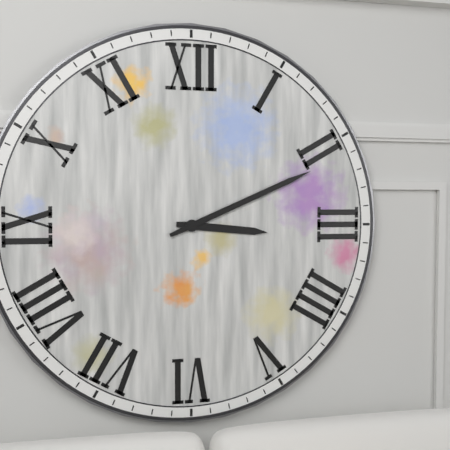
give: {"hour": 3, "minute": 11}
